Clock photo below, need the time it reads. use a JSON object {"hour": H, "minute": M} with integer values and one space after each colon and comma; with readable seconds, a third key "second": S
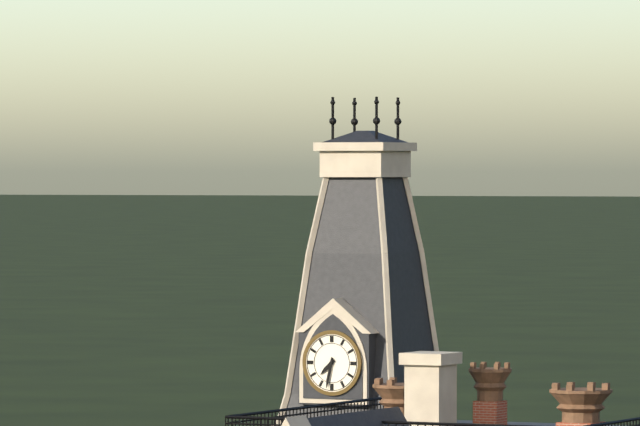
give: {"hour": 7, "minute": 32}
